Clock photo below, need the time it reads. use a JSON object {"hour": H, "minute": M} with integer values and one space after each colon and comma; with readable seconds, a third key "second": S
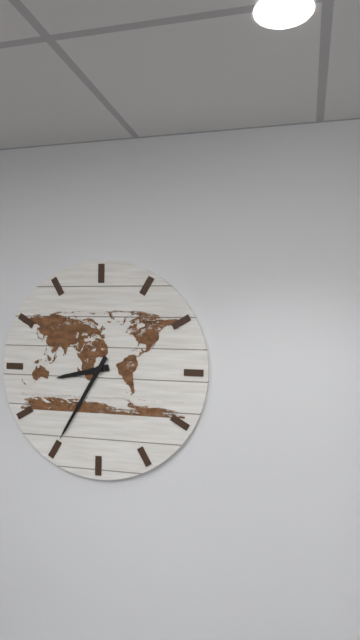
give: {"hour": 8, "minute": 35}
